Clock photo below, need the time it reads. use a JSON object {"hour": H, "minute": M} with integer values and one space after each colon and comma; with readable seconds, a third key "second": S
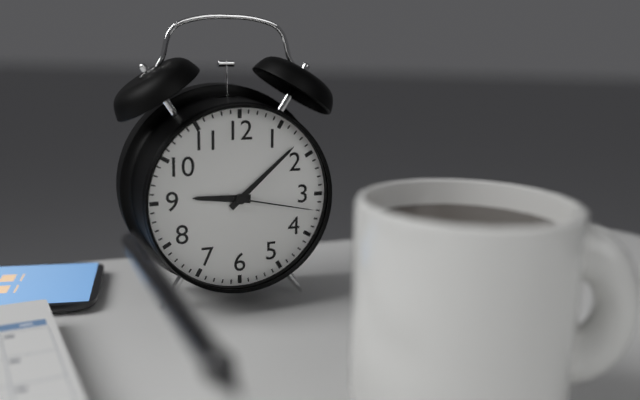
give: {"hour": 9, "minute": 8, "second": 17}
